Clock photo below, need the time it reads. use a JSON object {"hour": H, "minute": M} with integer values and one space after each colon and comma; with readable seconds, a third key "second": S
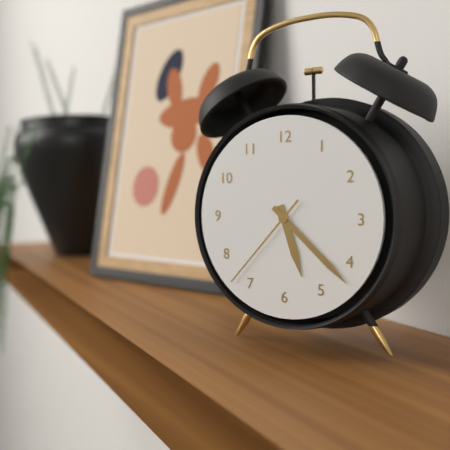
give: {"hour": 5, "minute": 22, "second": 37}
